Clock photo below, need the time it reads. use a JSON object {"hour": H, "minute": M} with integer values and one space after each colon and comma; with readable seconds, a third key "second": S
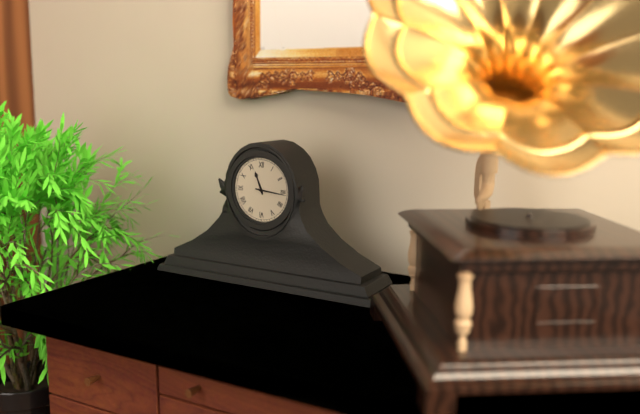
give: {"hour": 11, "minute": 16}
